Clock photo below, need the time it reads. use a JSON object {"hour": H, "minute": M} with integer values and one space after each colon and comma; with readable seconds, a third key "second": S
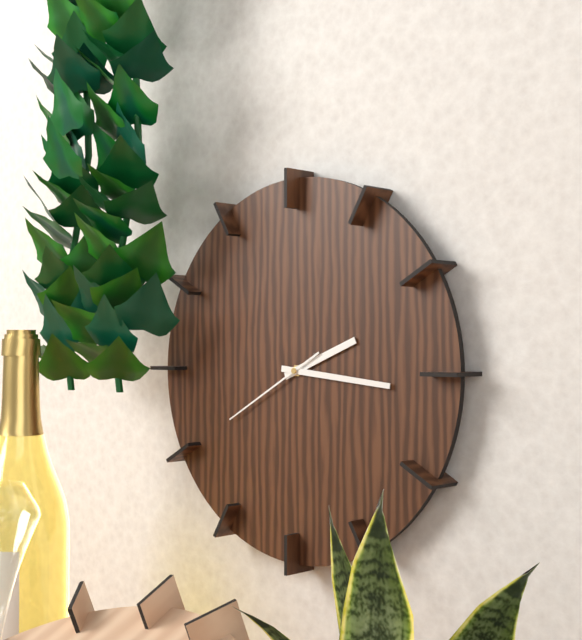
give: {"hour": 2, "minute": 16, "second": 40}
